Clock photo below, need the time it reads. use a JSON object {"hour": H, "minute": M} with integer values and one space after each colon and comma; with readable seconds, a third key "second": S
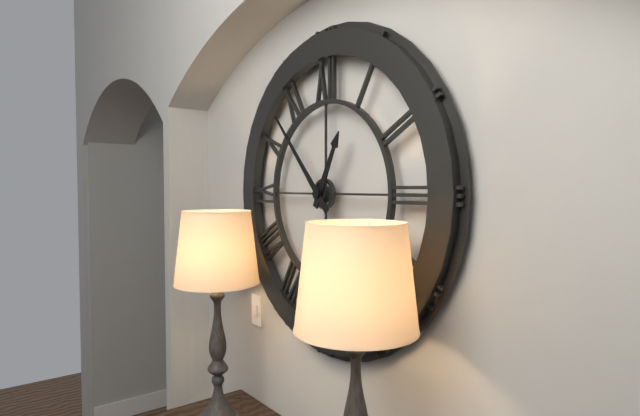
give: {"hour": 12, "minute": 53}
